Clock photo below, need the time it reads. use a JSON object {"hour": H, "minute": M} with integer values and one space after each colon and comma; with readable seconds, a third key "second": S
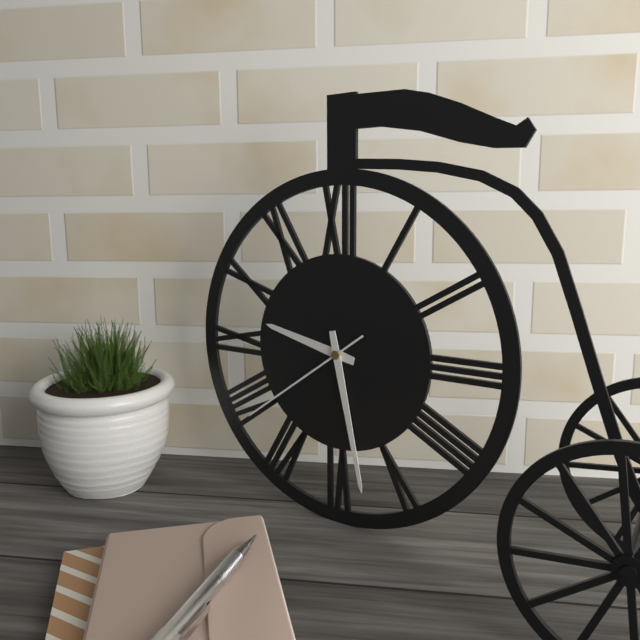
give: {"hour": 9, "minute": 28, "second": 39}
